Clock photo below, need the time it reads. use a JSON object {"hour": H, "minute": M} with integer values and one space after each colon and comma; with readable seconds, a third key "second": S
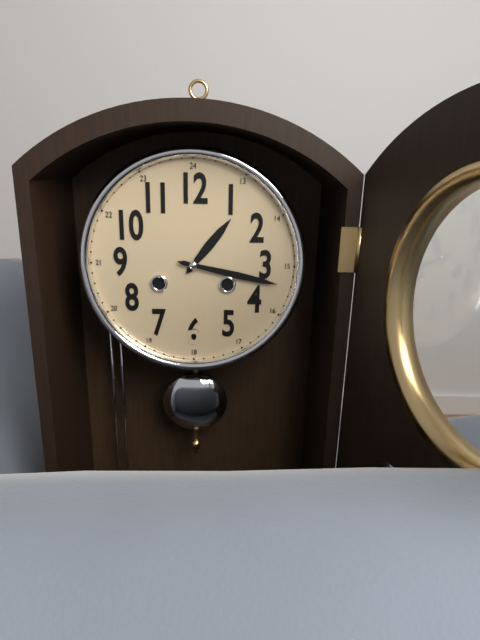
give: {"hour": 1, "minute": 17}
